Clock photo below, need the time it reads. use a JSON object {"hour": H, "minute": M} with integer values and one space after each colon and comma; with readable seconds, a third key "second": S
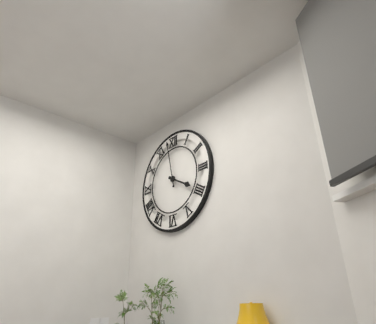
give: {"hour": 3, "minute": 58}
